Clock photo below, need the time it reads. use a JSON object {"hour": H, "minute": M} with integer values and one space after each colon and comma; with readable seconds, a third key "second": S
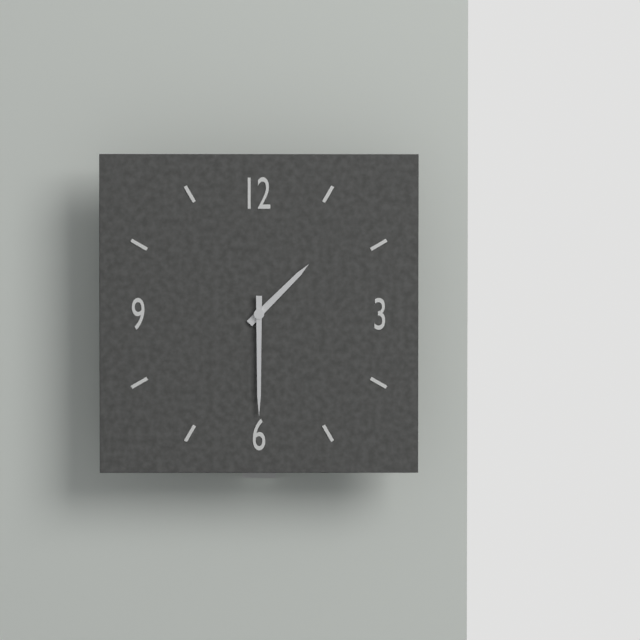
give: {"hour": 1, "minute": 30}
